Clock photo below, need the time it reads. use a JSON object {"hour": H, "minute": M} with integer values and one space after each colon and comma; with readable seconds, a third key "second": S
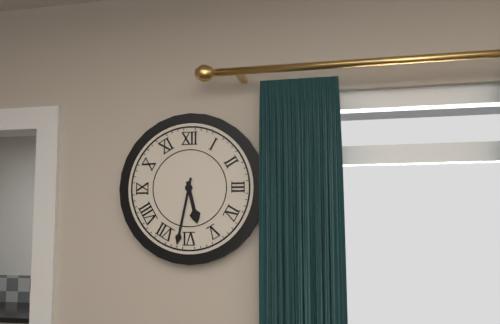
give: {"hour": 5, "minute": 32}
